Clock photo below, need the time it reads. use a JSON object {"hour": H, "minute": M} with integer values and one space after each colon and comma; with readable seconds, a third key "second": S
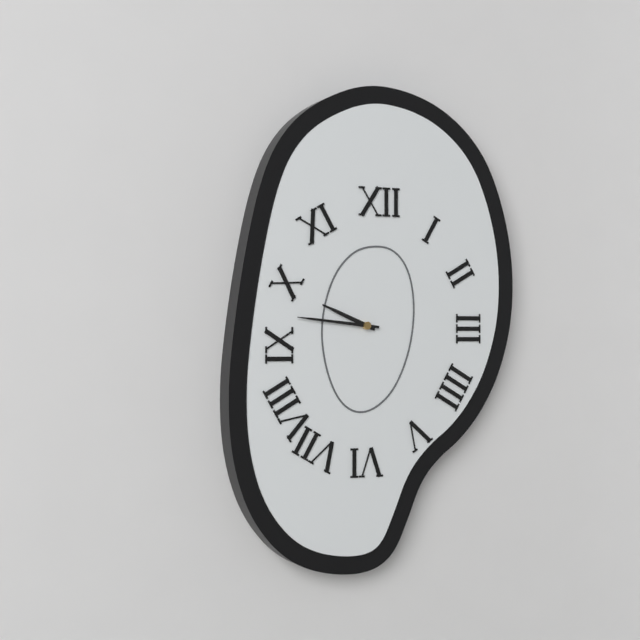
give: {"hour": 9, "minute": 46}
